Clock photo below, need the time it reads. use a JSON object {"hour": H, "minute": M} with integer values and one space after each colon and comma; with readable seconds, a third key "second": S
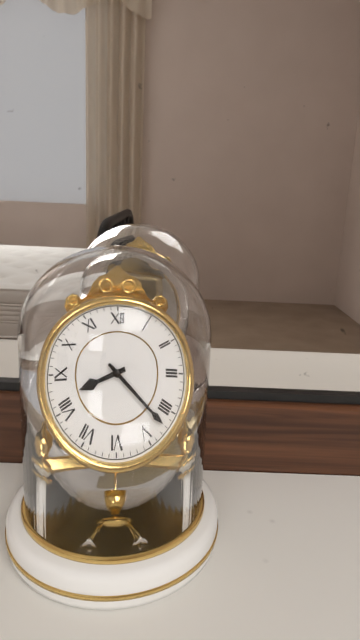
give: {"hour": 8, "minute": 22}
